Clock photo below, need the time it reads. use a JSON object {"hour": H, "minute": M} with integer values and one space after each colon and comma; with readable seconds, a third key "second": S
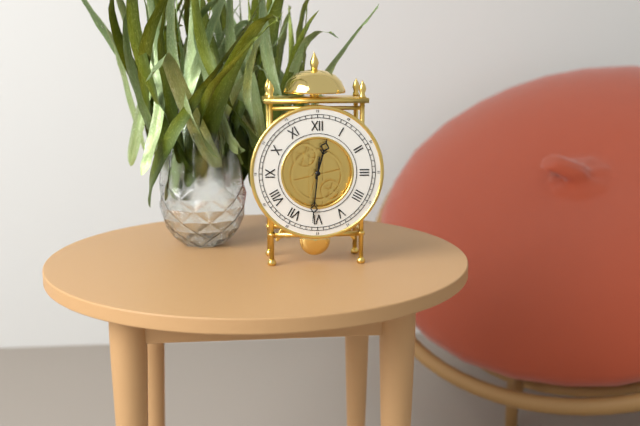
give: {"hour": 12, "minute": 31}
